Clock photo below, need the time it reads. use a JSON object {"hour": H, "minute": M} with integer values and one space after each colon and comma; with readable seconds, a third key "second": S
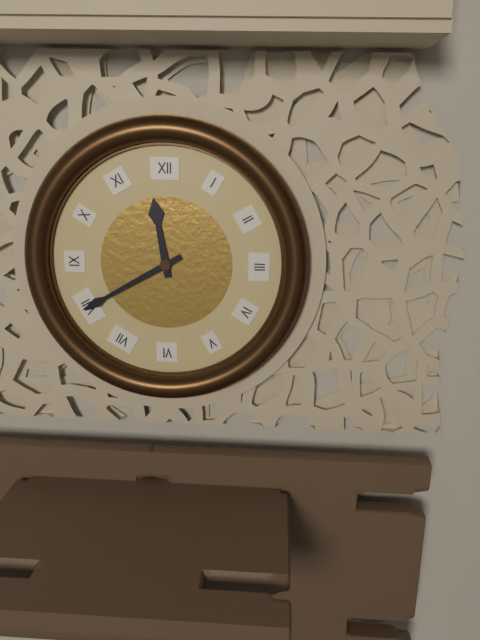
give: {"hour": 11, "minute": 40}
